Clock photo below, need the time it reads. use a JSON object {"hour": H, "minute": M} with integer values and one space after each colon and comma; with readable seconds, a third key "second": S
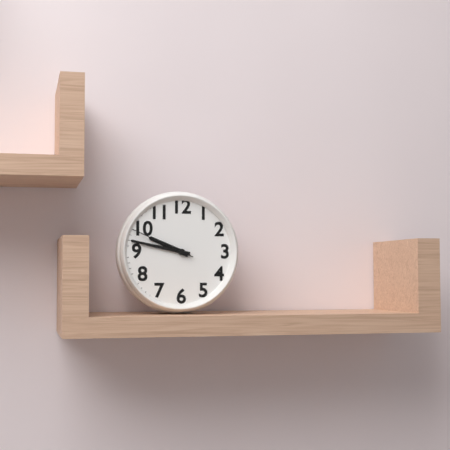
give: {"hour": 9, "minute": 47, "second": 49}
